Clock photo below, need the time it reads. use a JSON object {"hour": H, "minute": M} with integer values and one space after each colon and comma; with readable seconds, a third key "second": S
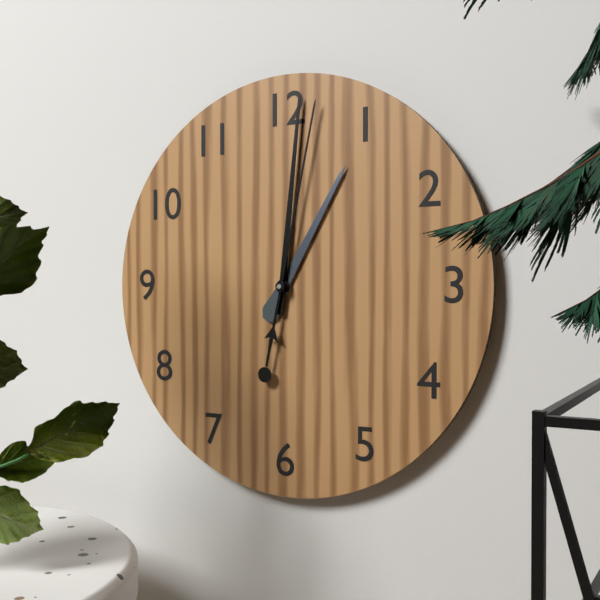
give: {"hour": 1, "minute": 1, "second": 2}
